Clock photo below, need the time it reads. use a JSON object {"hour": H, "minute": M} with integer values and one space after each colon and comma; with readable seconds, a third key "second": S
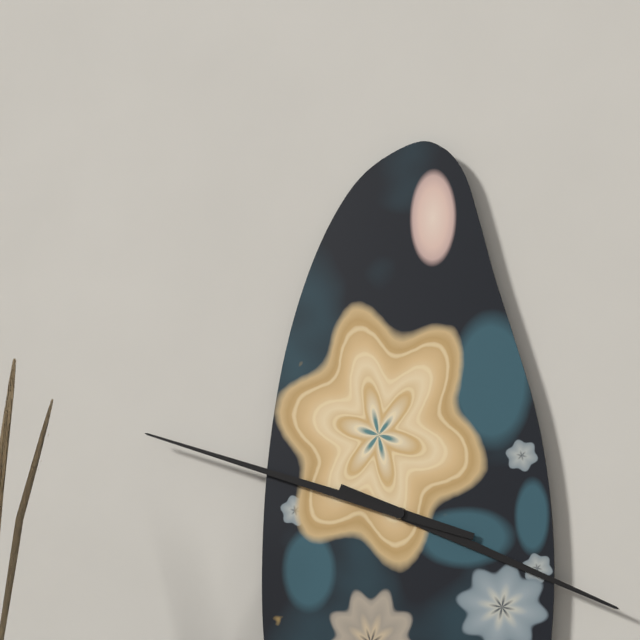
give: {"hour": 3, "minute": 48}
